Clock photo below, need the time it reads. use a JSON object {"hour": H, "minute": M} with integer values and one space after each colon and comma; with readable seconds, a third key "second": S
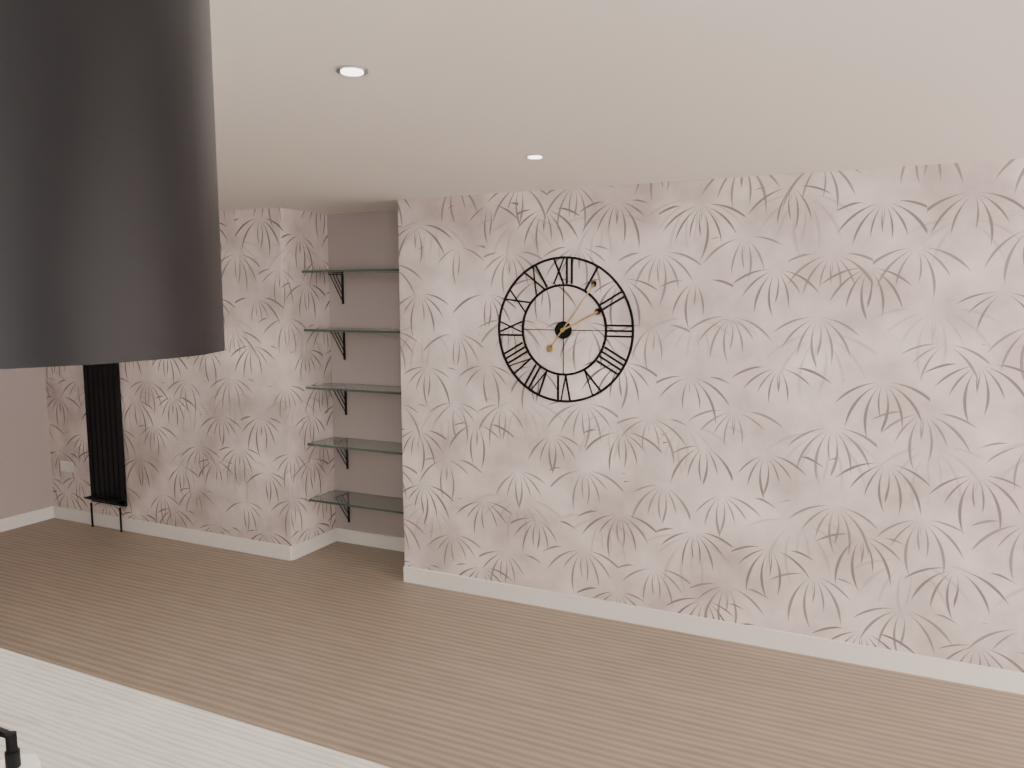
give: {"hour": 2, "minute": 6}
